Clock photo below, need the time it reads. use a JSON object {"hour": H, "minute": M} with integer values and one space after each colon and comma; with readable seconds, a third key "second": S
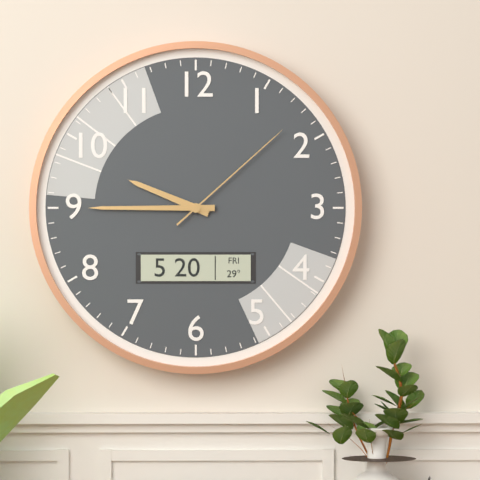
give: {"hour": 9, "minute": 45, "second": 8}
